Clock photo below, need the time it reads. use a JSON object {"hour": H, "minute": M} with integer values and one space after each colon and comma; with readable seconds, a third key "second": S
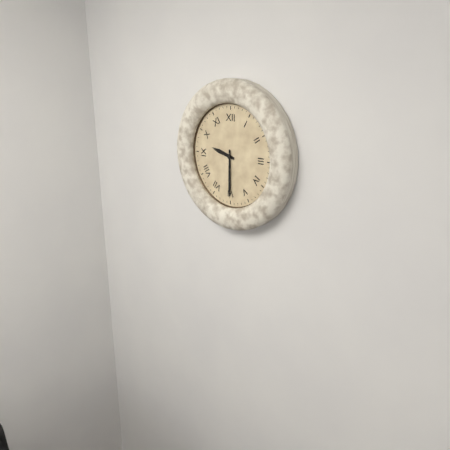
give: {"hour": 9, "minute": 30}
